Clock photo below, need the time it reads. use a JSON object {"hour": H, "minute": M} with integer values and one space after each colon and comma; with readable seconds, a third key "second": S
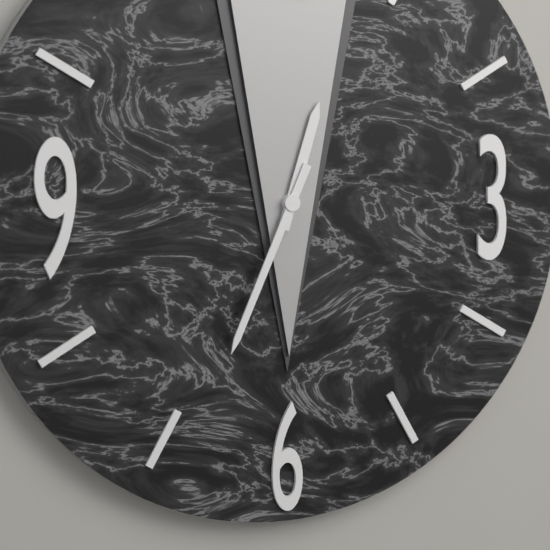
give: {"hour": 12, "minute": 34}
